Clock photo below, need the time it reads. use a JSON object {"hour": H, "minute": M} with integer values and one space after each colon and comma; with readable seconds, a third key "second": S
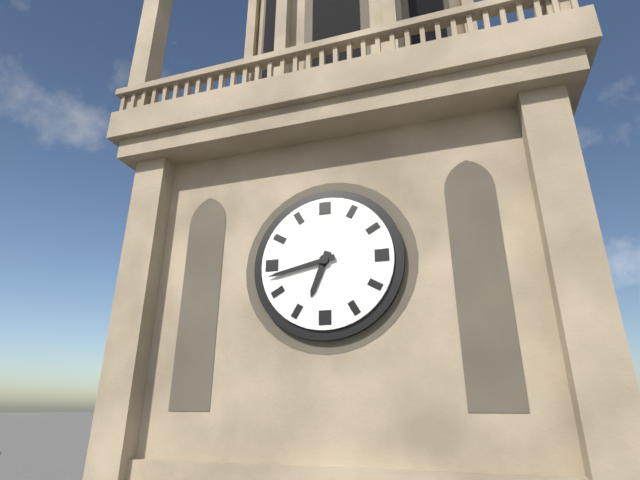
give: {"hour": 6, "minute": 43}
